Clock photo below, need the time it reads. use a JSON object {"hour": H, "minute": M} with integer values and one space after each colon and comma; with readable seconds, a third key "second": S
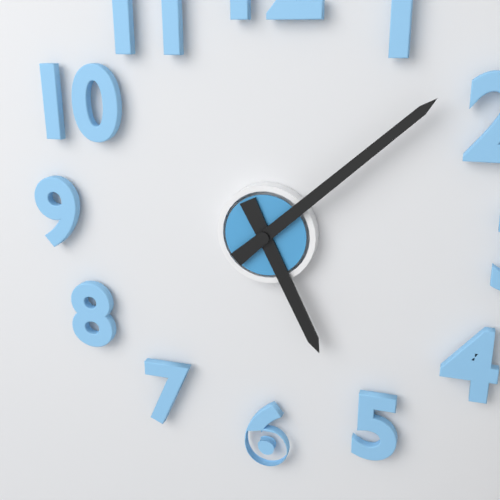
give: {"hour": 5, "minute": 8}
